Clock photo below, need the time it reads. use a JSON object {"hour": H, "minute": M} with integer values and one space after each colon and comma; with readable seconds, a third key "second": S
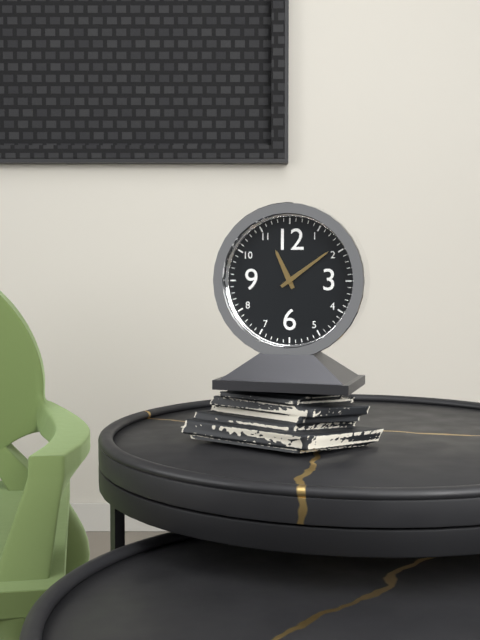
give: {"hour": 11, "minute": 9}
